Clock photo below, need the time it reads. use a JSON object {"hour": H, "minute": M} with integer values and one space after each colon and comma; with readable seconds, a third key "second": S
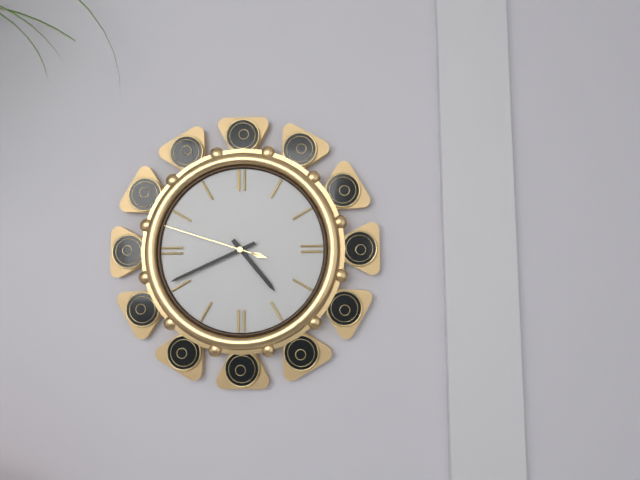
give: {"hour": 4, "minute": 41, "second": 48}
